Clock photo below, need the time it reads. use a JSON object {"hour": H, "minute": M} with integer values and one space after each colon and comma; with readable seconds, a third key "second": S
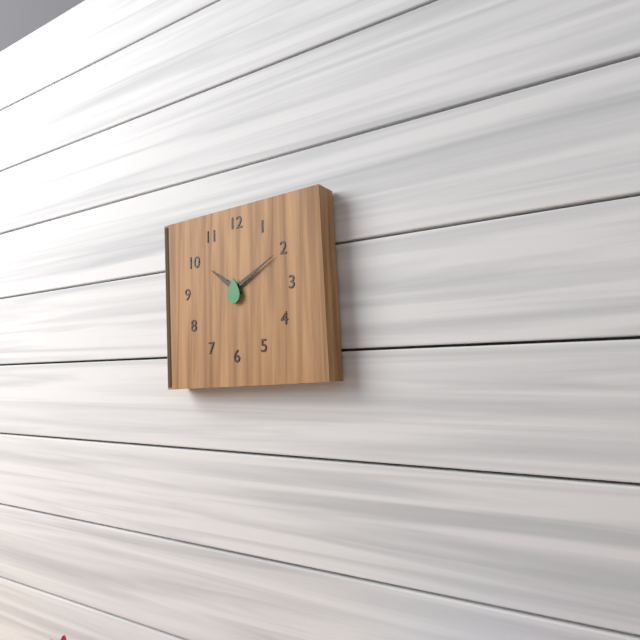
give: {"hour": 10, "minute": 10}
